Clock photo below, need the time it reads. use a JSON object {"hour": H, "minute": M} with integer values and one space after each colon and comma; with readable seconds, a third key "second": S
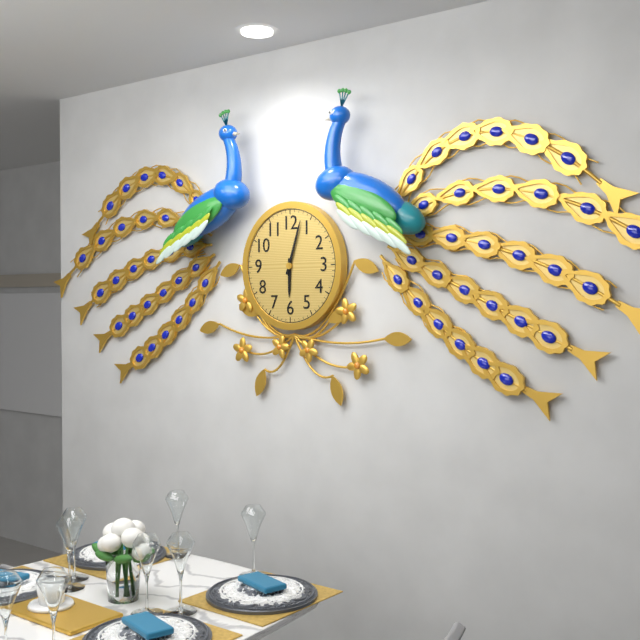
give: {"hour": 6, "minute": 3}
